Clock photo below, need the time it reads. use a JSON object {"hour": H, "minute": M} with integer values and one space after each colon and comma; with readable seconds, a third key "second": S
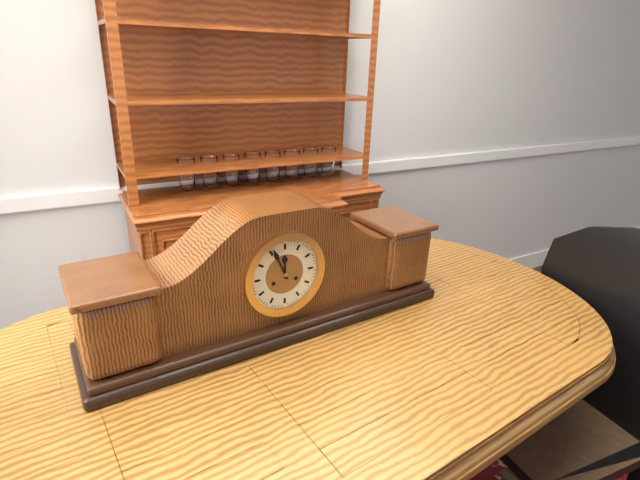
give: {"hour": 11, "minute": 56}
